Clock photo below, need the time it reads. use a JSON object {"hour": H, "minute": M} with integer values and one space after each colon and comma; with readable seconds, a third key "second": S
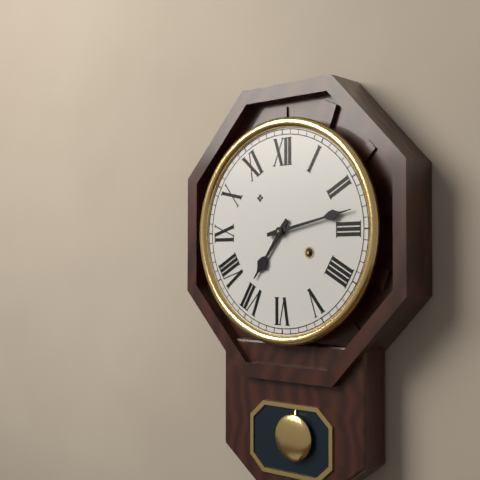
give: {"hour": 7, "minute": 13}
